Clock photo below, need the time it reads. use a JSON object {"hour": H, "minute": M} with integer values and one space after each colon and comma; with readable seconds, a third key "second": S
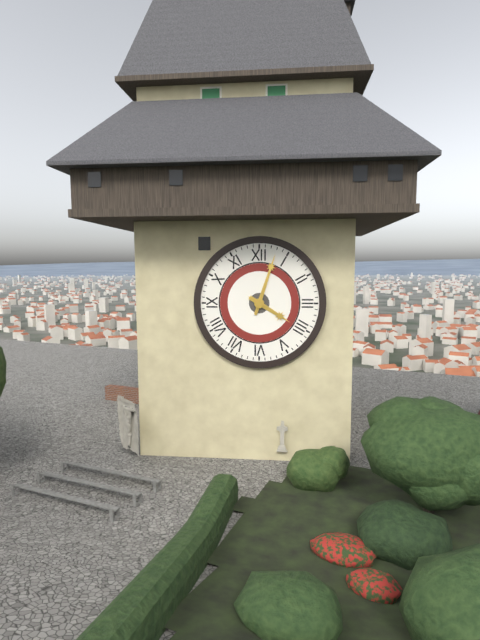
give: {"hour": 4, "minute": 3}
